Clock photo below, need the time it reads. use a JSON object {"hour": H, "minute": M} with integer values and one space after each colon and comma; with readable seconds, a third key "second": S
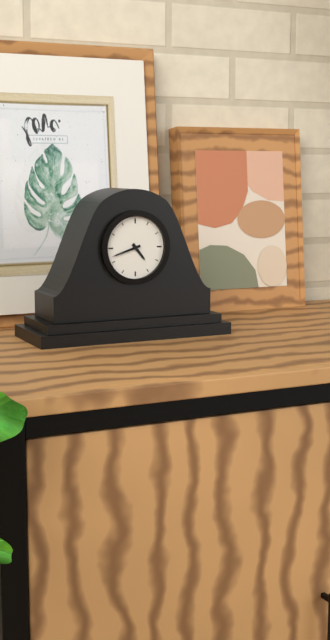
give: {"hour": 4, "minute": 42}
